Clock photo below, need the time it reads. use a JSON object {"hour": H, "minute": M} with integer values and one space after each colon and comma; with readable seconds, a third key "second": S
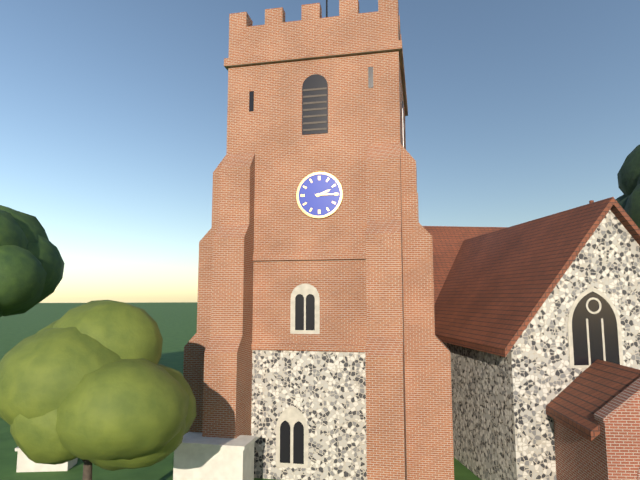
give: {"hour": 2, "minute": 15}
